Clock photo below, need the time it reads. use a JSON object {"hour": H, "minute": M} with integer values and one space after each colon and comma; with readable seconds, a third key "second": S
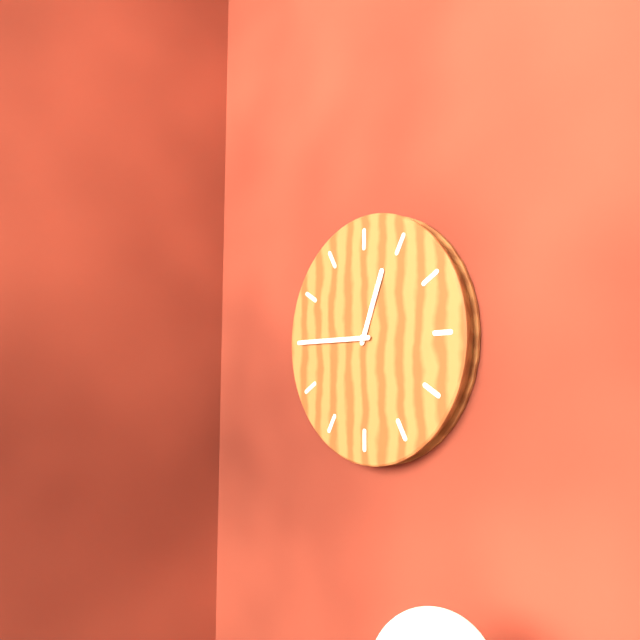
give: {"hour": 12, "minute": 45}
